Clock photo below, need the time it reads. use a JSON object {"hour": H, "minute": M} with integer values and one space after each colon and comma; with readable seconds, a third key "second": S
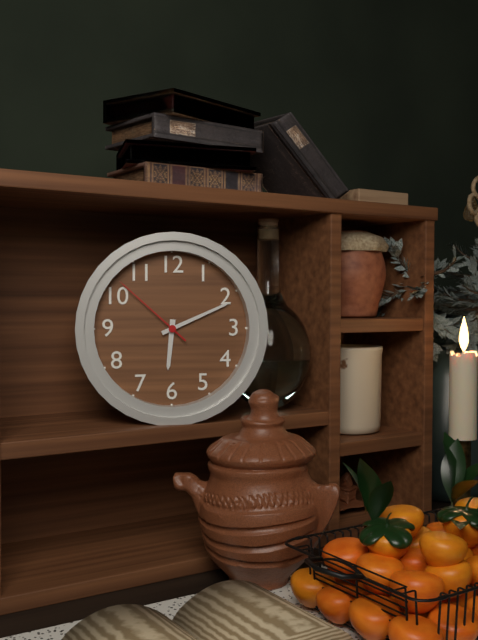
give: {"hour": 6, "minute": 11, "second": 52}
